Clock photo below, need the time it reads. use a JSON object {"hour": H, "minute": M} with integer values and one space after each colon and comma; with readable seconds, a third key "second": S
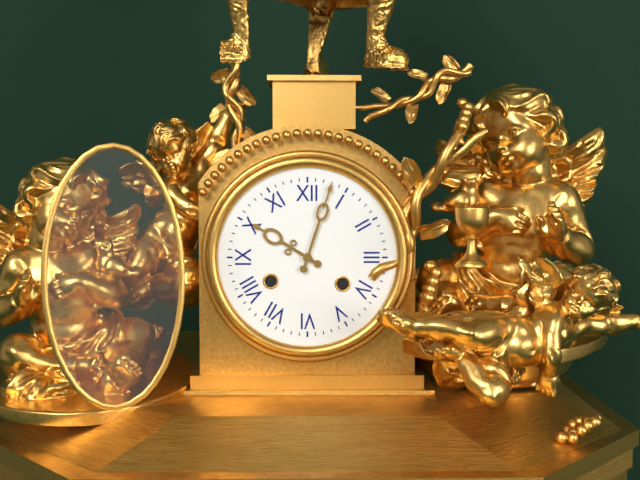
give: {"hour": 10, "minute": 3}
